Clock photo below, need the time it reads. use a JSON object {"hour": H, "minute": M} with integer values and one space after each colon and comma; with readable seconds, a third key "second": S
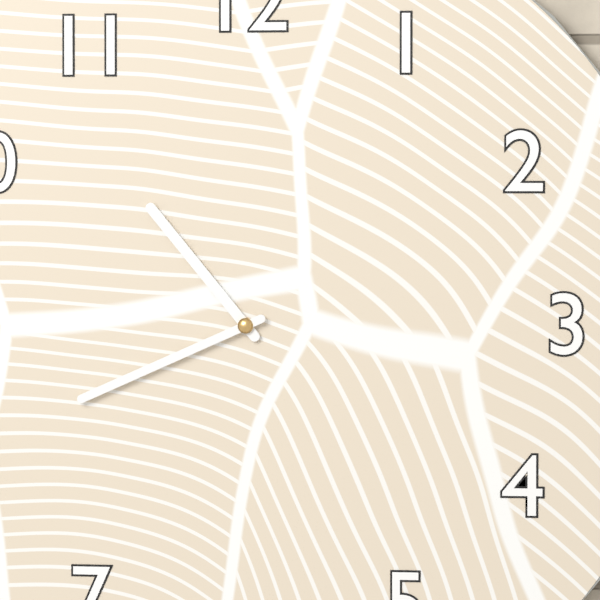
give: {"hour": 10, "minute": 41}
